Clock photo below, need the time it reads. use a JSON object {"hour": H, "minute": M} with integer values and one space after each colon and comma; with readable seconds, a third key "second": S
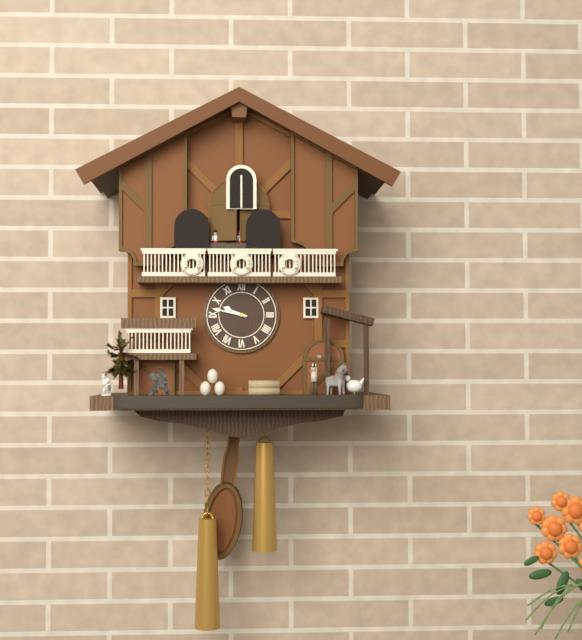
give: {"hour": 9, "minute": 47}
